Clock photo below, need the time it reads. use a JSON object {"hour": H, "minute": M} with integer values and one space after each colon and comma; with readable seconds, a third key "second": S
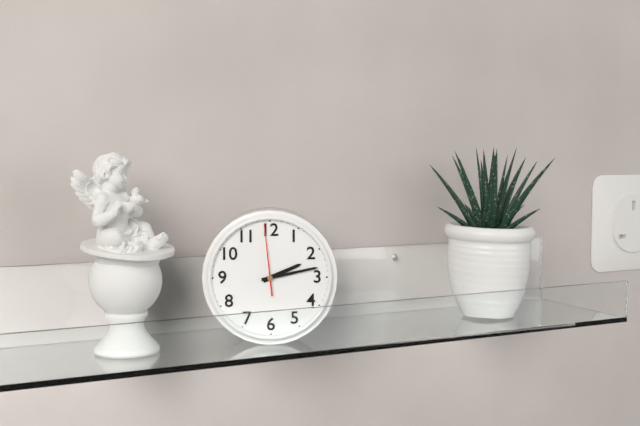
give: {"hour": 2, "minute": 13, "second": 59}
